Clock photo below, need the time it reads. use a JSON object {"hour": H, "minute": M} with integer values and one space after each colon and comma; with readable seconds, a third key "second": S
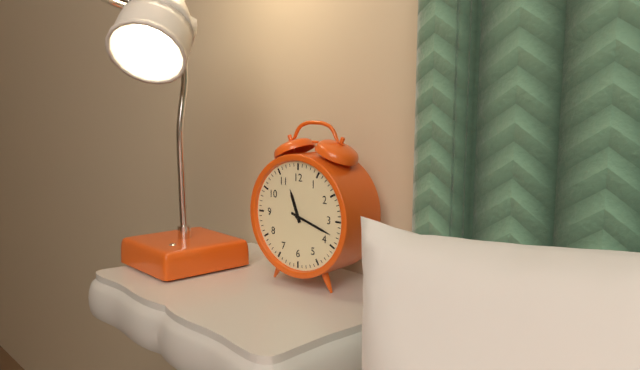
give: {"hour": 11, "minute": 18}
